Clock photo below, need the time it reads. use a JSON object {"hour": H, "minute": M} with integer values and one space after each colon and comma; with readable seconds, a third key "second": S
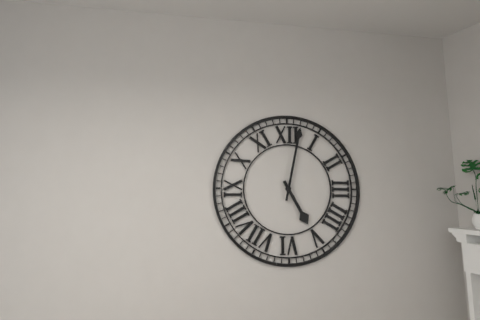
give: {"hour": 5, "minute": 2}
